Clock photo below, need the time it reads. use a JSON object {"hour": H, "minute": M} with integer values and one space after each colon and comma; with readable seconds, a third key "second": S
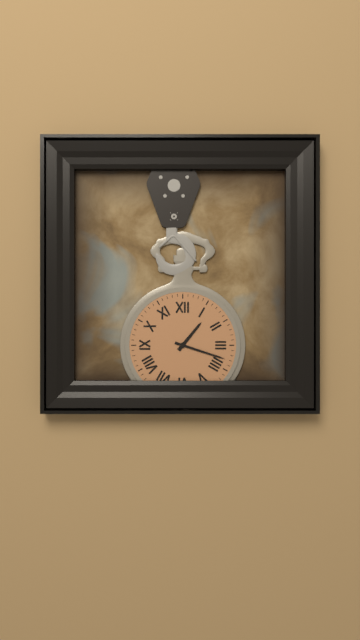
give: {"hour": 1, "minute": 18}
